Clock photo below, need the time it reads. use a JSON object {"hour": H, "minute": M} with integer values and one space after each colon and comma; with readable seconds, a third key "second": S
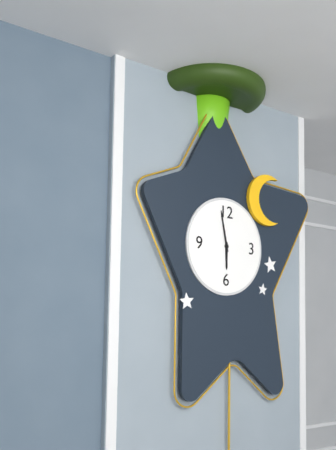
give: {"hour": 5, "minute": 58}
